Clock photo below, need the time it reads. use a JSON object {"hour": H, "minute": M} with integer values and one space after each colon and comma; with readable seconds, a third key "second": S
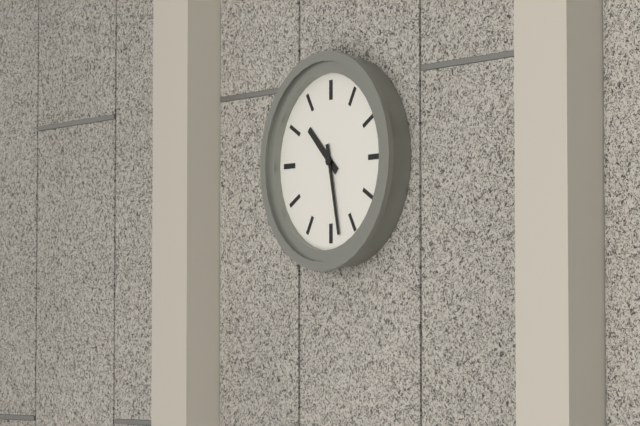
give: {"hour": 10, "minute": 28}
